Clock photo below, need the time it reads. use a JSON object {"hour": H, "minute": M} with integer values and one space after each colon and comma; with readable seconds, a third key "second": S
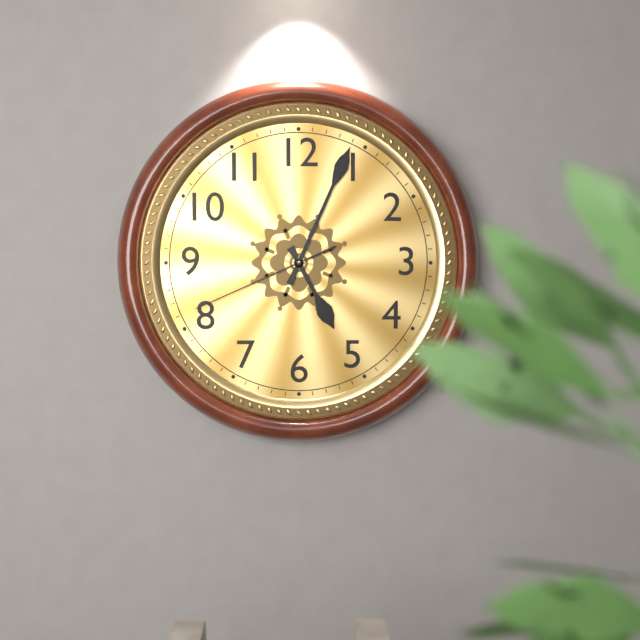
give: {"hour": 5, "minute": 4, "second": 41}
